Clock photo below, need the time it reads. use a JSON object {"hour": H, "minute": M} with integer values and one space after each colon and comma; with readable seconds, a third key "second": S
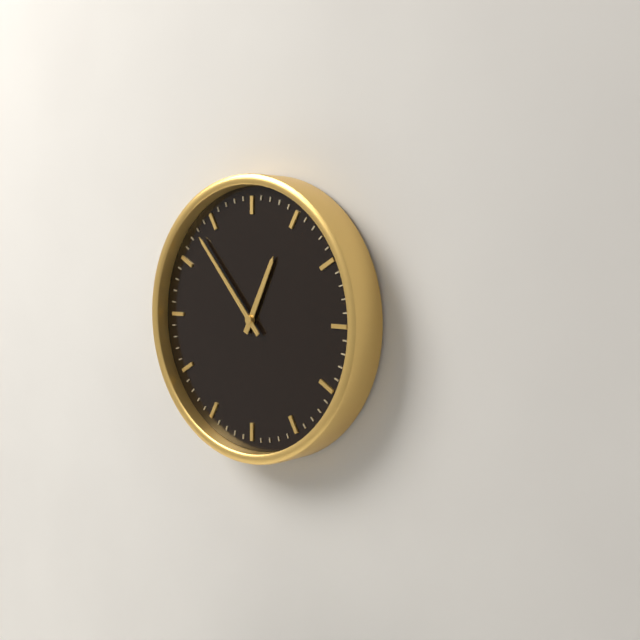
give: {"hour": 12, "minute": 53}
